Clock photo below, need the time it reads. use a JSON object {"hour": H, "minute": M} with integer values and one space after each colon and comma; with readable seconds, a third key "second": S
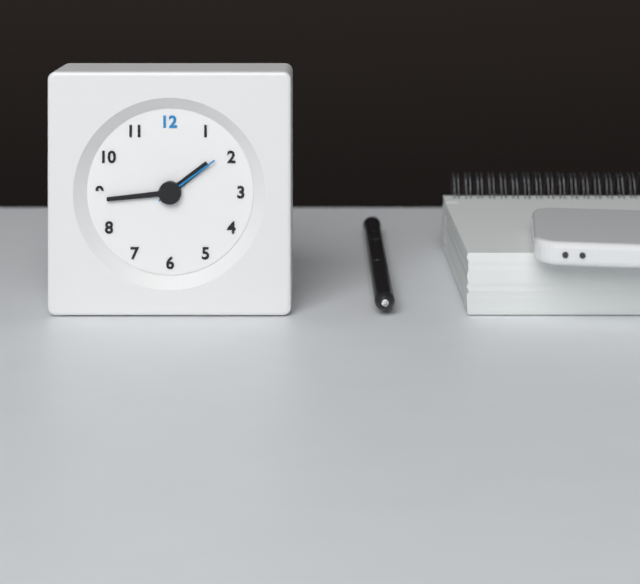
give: {"hour": 1, "minute": 44, "second": 9}
